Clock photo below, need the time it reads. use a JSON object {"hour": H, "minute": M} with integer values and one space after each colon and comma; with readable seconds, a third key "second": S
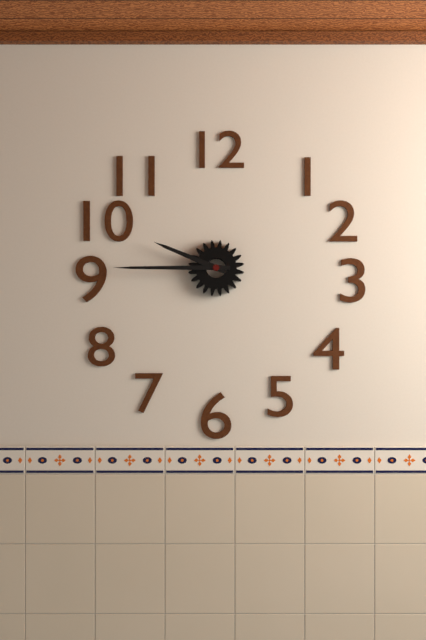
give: {"hour": 9, "minute": 45}
